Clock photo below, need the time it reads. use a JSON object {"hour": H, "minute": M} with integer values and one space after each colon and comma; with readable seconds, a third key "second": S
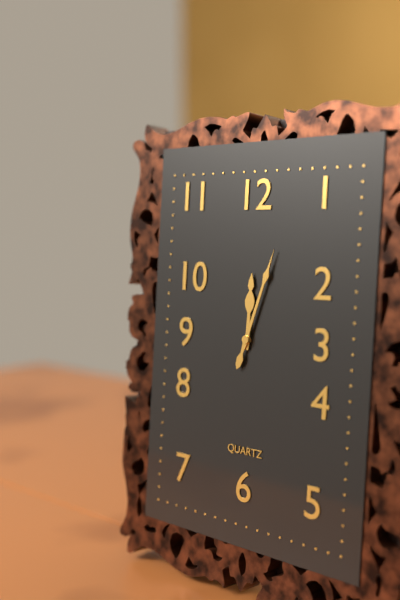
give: {"hour": 12, "minute": 3}
